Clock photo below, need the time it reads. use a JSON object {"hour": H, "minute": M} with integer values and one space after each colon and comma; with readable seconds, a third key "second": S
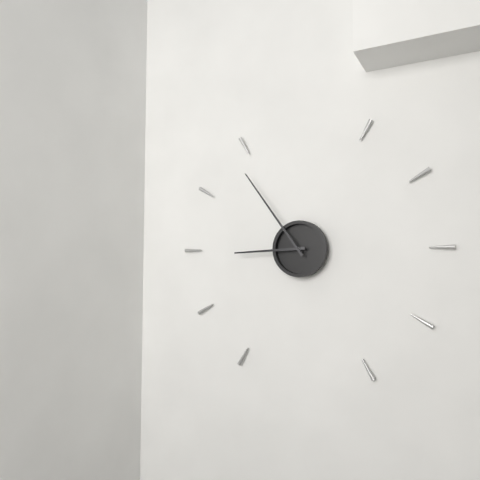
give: {"hour": 8, "minute": 54}
